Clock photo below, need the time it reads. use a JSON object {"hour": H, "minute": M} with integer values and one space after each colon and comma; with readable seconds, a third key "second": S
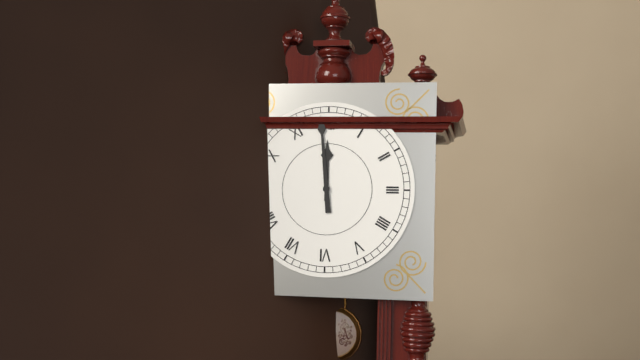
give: {"hour": 11, "minute": 59}
